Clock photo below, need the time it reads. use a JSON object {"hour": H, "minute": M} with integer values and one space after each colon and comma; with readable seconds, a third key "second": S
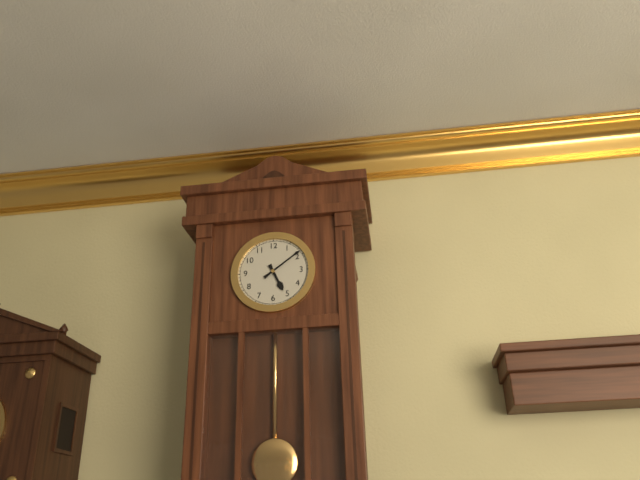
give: {"hour": 5, "minute": 9}
